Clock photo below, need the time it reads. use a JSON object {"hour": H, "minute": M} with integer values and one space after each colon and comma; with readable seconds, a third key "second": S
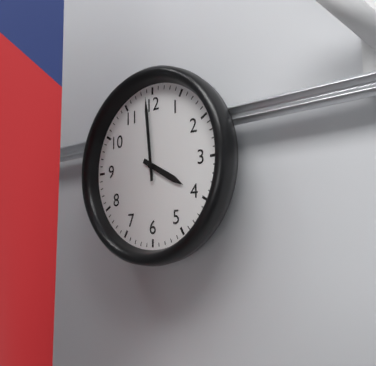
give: {"hour": 3, "minute": 59}
